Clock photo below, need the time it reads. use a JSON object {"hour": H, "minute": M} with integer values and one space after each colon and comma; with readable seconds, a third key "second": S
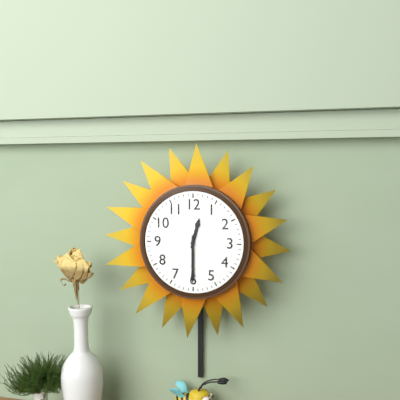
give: {"hour": 12, "minute": 30}
